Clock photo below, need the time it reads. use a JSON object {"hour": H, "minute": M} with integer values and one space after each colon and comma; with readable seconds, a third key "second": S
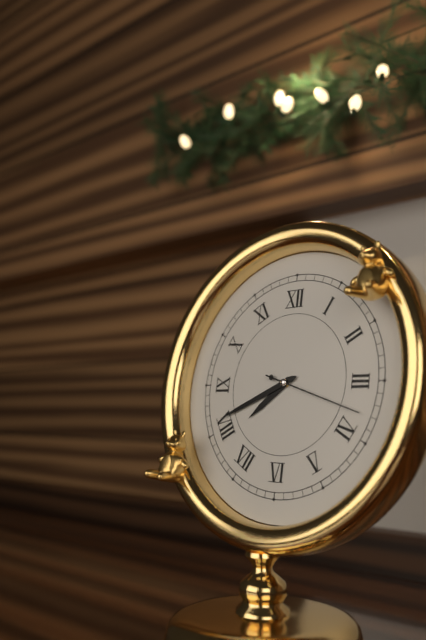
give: {"hour": 7, "minute": 41, "second": 18}
